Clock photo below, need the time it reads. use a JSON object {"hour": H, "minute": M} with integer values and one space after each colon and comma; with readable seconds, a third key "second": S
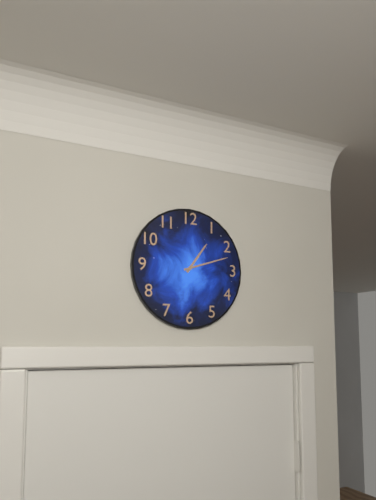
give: {"hour": 1, "minute": 12}
